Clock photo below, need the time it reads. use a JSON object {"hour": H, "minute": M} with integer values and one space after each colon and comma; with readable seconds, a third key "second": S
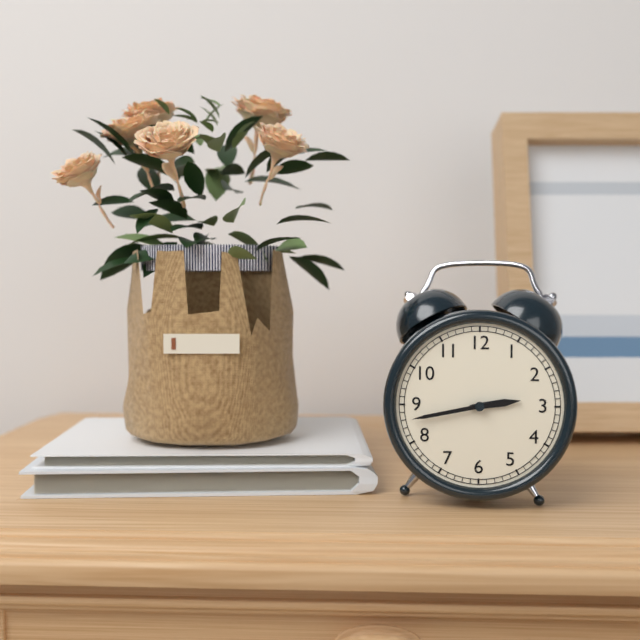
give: {"hour": 2, "minute": 43}
